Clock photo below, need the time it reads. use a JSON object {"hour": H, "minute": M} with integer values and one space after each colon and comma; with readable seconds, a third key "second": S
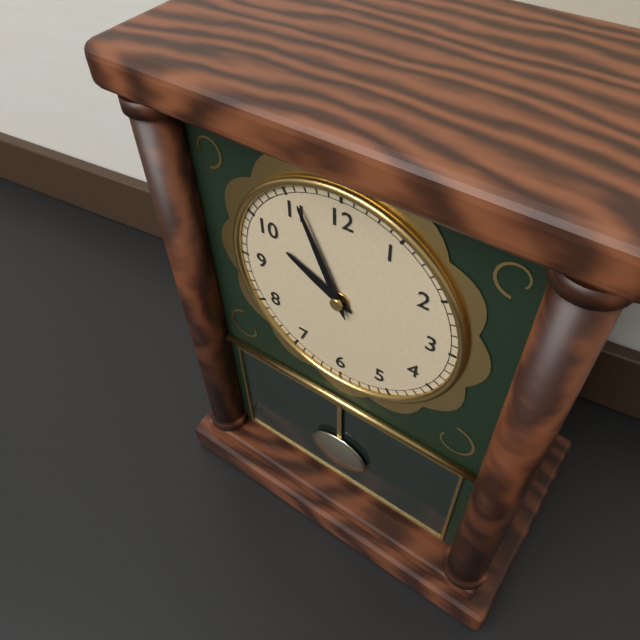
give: {"hour": 9, "minute": 56}
